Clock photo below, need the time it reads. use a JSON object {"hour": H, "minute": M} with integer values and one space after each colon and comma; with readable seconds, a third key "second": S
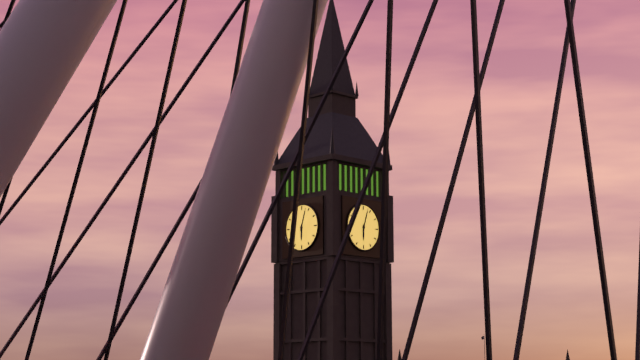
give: {"hour": 6, "minute": 3}
